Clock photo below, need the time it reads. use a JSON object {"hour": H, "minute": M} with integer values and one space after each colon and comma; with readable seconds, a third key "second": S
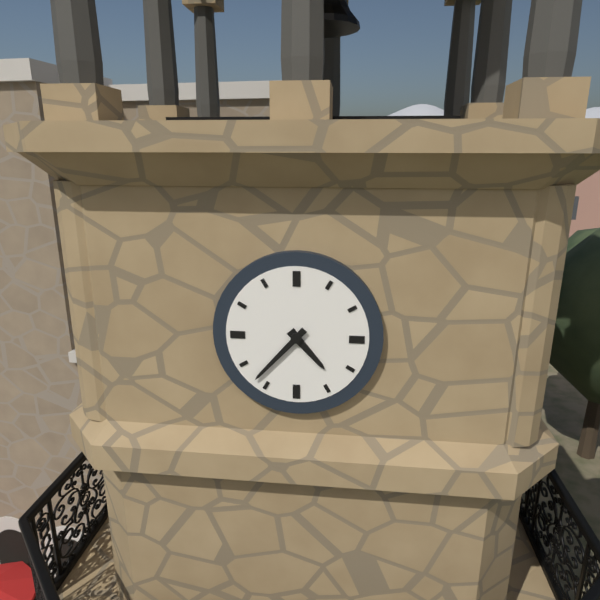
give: {"hour": 4, "minute": 37}
